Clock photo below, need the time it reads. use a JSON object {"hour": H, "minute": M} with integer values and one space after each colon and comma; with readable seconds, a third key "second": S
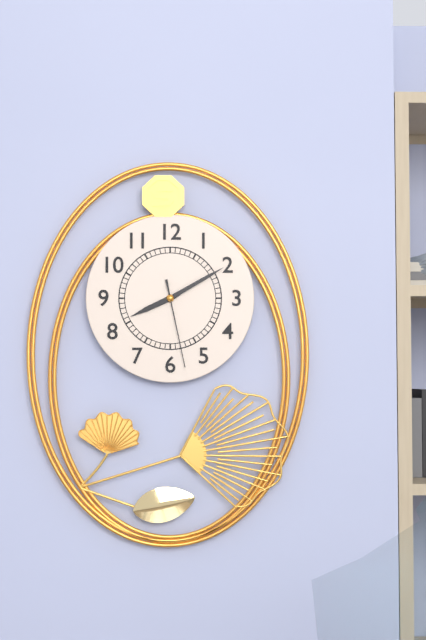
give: {"hour": 8, "minute": 10, "second": 28}
